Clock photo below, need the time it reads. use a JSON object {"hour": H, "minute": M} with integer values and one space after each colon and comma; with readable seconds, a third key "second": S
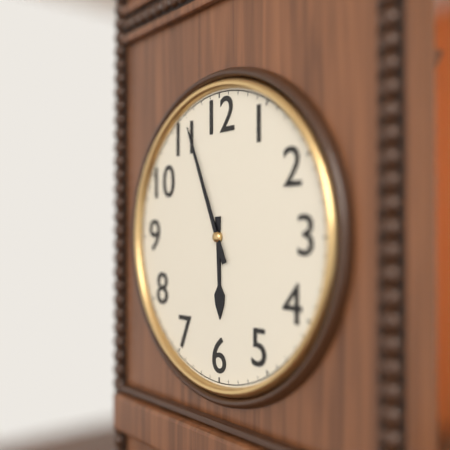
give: {"hour": 5, "minute": 56}
